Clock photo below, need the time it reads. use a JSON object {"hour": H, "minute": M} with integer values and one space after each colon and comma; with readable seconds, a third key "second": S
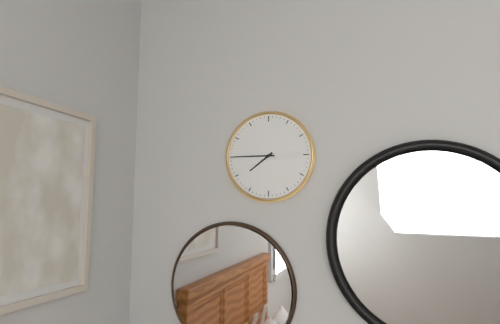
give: {"hour": 7, "minute": 45}
